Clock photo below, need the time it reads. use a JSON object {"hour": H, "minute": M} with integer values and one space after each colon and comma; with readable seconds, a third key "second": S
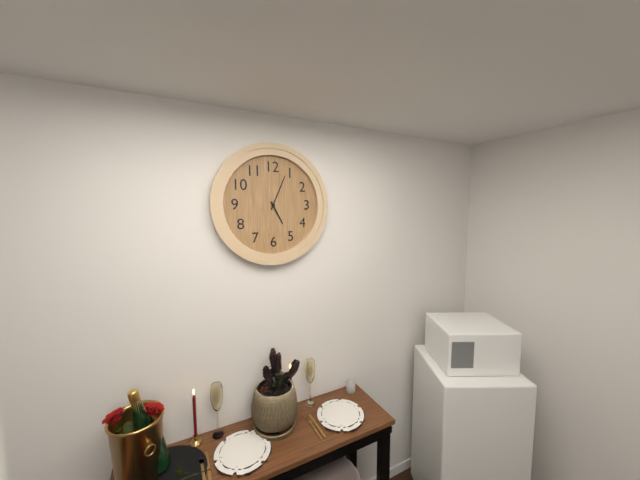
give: {"hour": 5, "minute": 4}
